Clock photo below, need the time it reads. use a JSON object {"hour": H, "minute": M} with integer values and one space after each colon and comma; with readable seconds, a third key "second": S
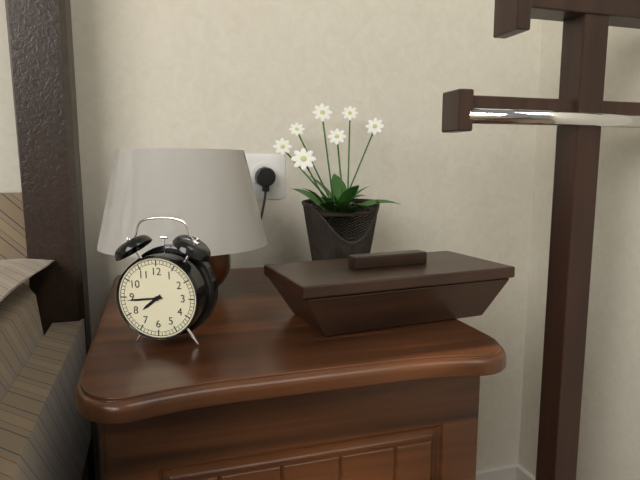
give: {"hour": 7, "minute": 44}
